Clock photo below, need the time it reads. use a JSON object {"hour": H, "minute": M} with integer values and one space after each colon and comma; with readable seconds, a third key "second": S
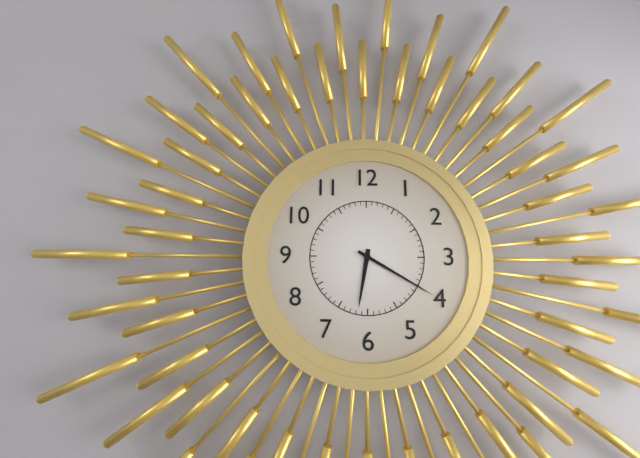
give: {"hour": 6, "minute": 20}
